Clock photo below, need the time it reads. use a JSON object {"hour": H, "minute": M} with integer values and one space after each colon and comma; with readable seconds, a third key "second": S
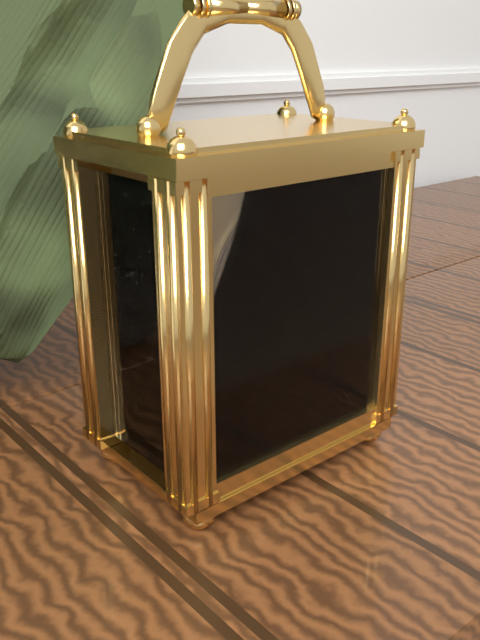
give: {"hour": 12, "minute": 34}
